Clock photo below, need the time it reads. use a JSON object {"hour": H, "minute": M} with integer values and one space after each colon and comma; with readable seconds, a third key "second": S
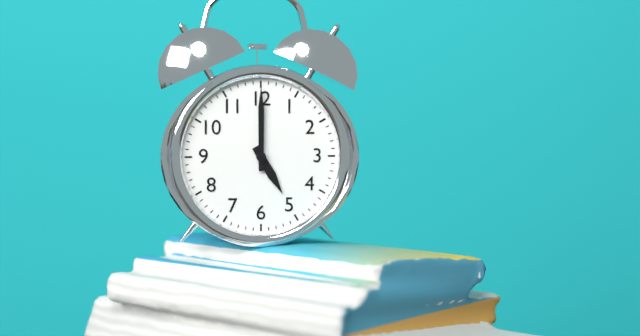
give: {"hour": 5, "minute": 0}
